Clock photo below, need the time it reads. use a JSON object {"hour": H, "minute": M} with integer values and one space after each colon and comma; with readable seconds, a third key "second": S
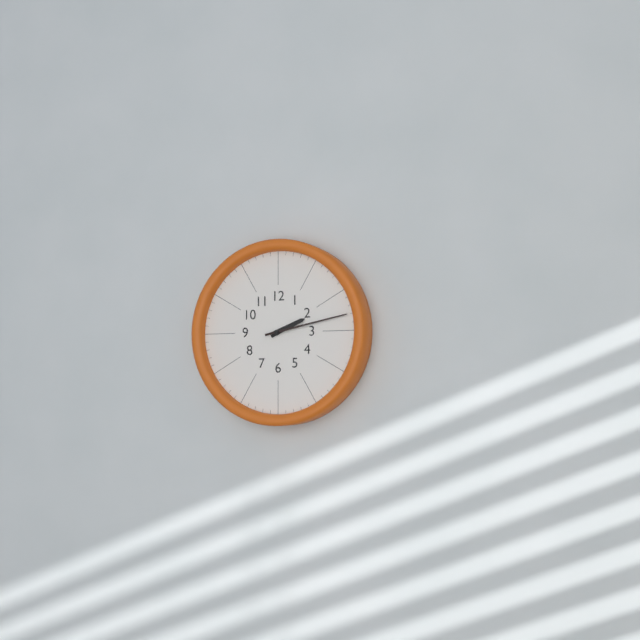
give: {"hour": 2, "minute": 13}
